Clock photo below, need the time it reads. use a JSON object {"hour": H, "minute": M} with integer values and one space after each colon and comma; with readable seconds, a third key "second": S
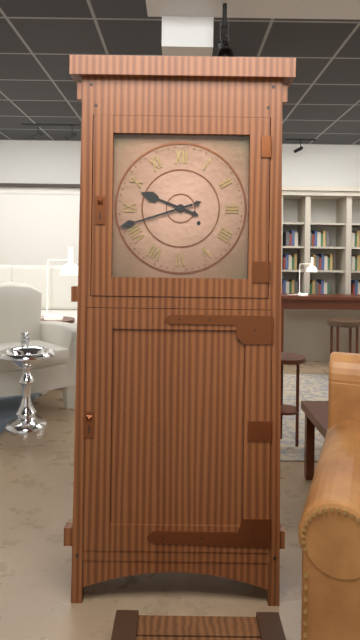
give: {"hour": 9, "minute": 42}
